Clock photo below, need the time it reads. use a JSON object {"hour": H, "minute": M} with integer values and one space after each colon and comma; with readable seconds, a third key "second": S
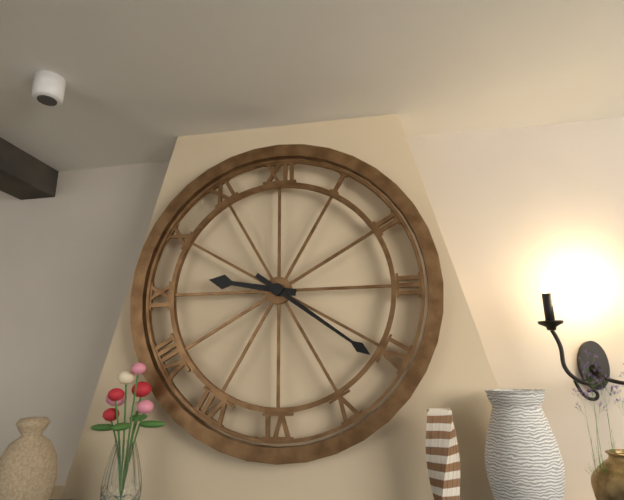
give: {"hour": 9, "minute": 21}
